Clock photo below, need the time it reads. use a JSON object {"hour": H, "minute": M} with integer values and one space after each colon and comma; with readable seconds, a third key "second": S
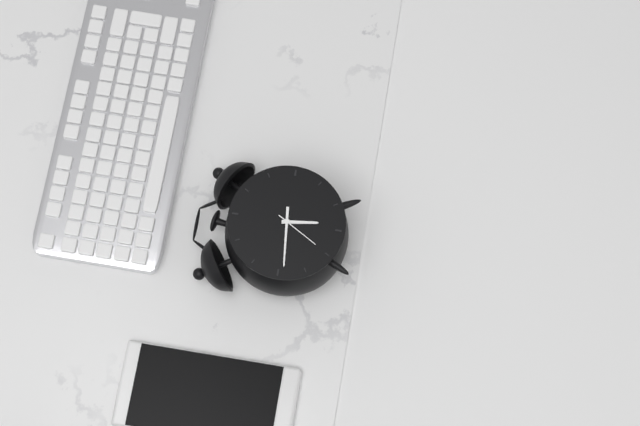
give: {"hour": 5, "minute": 44}
